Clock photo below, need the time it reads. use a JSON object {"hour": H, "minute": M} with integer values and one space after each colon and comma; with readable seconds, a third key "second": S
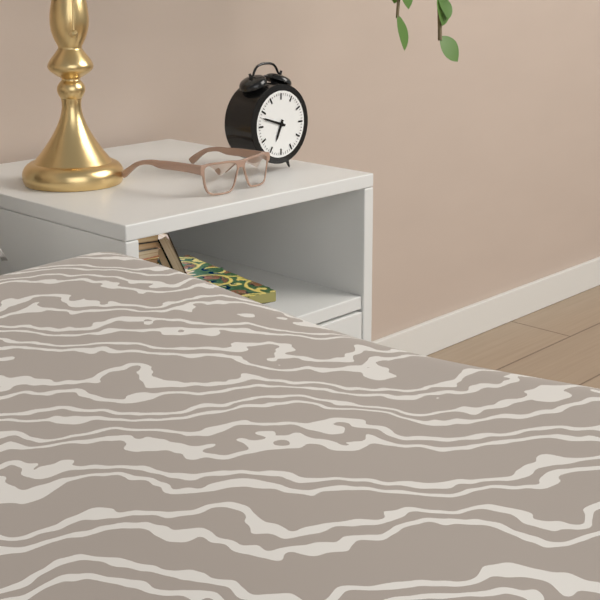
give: {"hour": 6, "minute": 48}
